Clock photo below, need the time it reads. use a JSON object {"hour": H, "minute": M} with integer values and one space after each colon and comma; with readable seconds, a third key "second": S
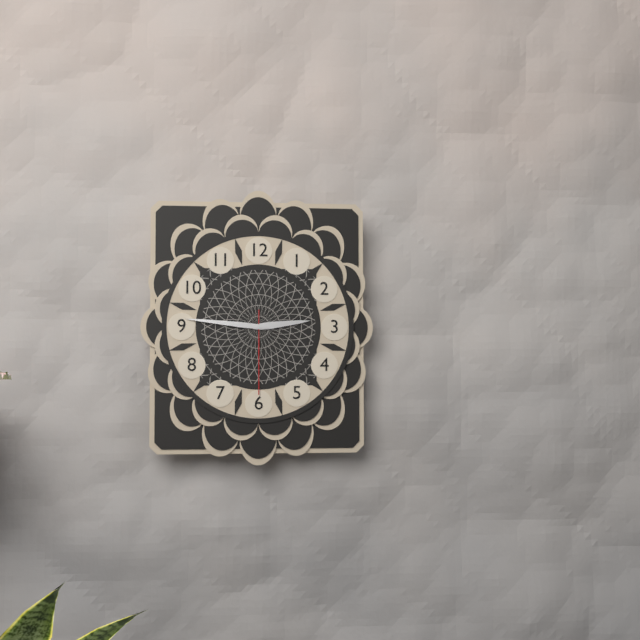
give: {"hour": 2, "minute": 46, "second": 30}
